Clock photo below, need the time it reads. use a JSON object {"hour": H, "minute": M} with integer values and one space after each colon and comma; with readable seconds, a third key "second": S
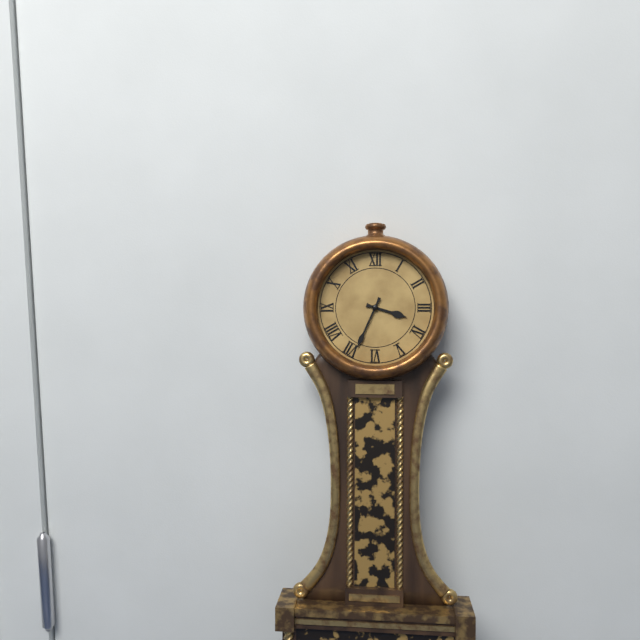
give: {"hour": 3, "minute": 34}
